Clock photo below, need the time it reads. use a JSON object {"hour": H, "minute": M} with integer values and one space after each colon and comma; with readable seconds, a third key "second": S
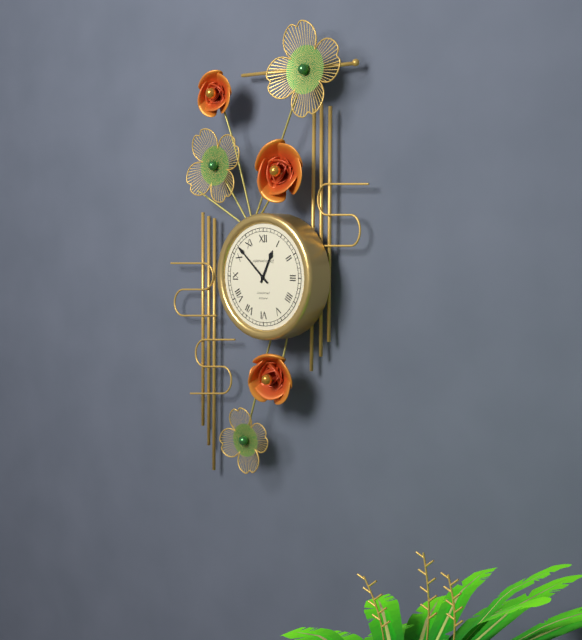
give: {"hour": 12, "minute": 52}
